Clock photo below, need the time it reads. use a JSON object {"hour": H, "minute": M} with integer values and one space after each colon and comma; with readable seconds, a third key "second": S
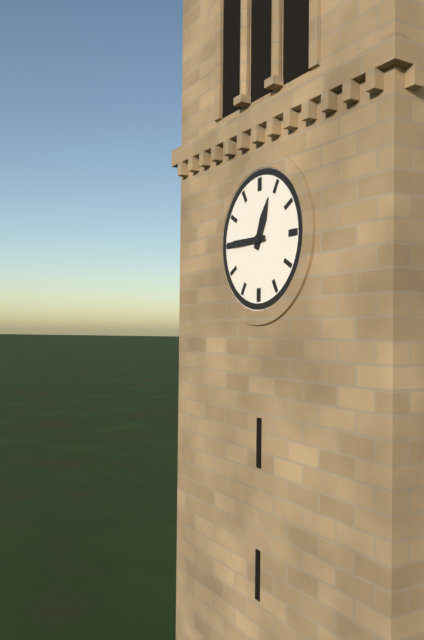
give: {"hour": 12, "minute": 45}
